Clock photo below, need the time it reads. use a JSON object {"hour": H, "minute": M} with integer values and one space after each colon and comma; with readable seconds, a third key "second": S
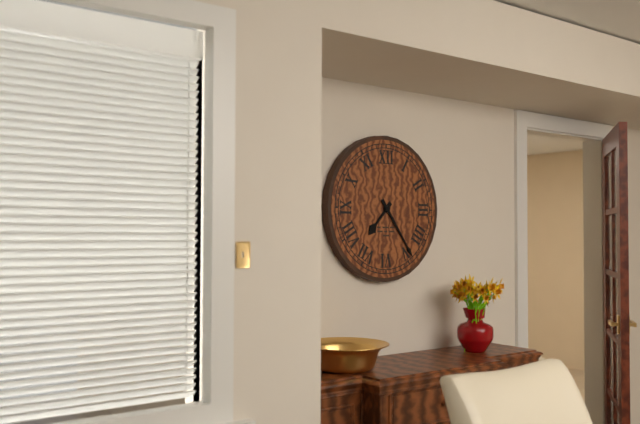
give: {"hour": 7, "minute": 24}
